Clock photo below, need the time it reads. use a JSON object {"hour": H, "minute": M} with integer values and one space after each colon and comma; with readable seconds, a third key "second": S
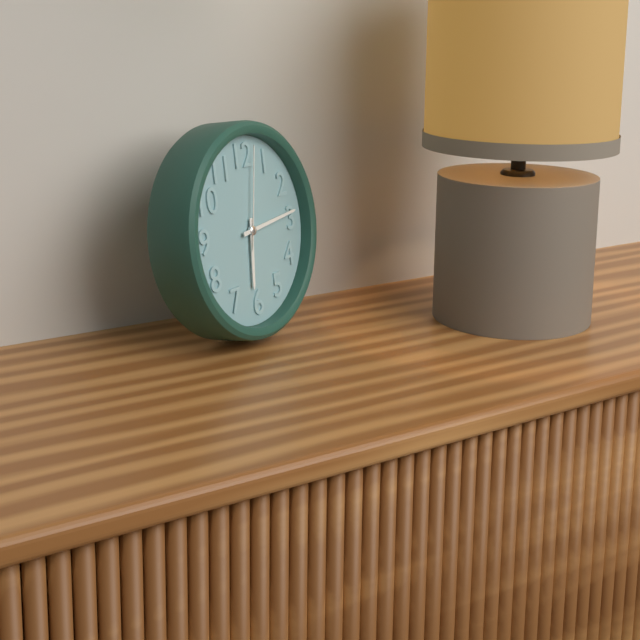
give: {"hour": 6, "minute": 14, "second": 2}
